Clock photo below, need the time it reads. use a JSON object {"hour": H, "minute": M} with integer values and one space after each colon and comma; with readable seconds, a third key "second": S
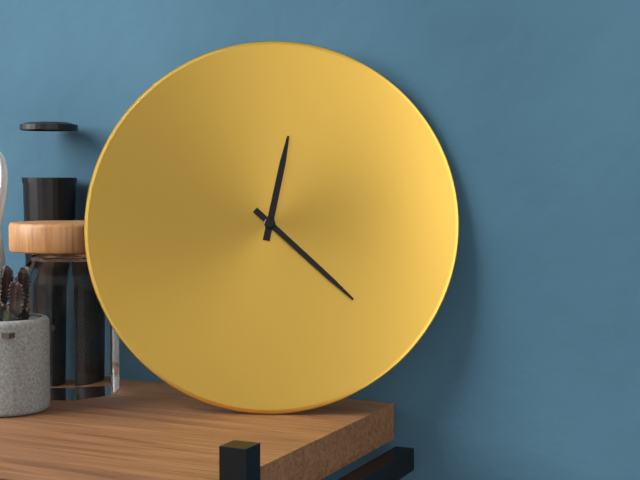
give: {"hour": 12, "minute": 22}
